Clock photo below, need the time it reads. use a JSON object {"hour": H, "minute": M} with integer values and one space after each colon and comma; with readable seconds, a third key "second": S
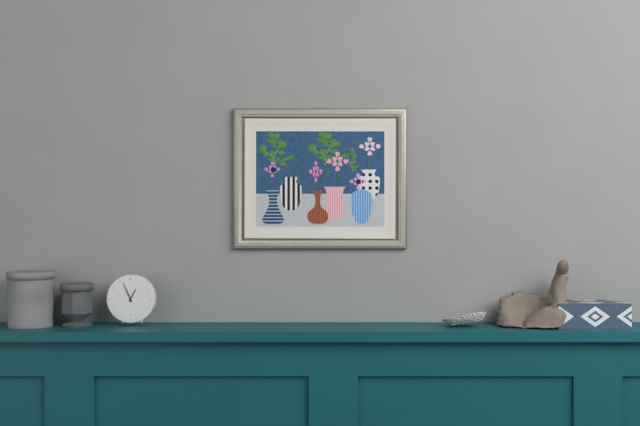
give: {"hour": 12, "minute": 56}
